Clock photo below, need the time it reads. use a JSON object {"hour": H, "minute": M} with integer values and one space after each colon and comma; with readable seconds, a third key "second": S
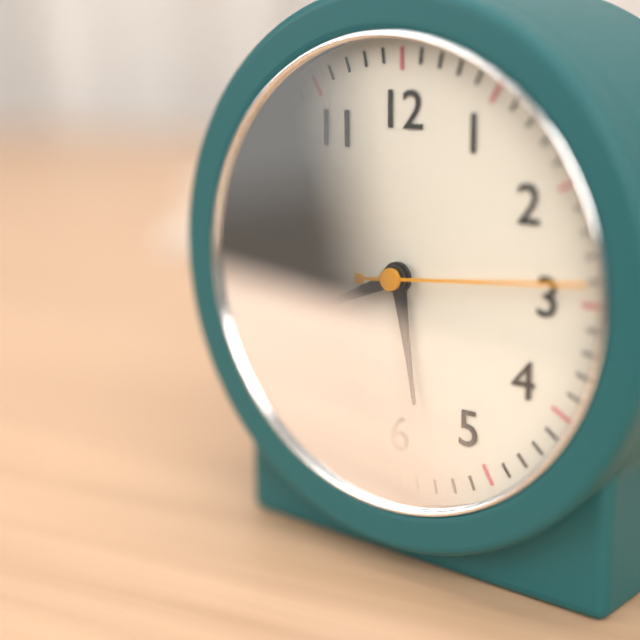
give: {"hour": 5, "minute": 41, "second": 14}
